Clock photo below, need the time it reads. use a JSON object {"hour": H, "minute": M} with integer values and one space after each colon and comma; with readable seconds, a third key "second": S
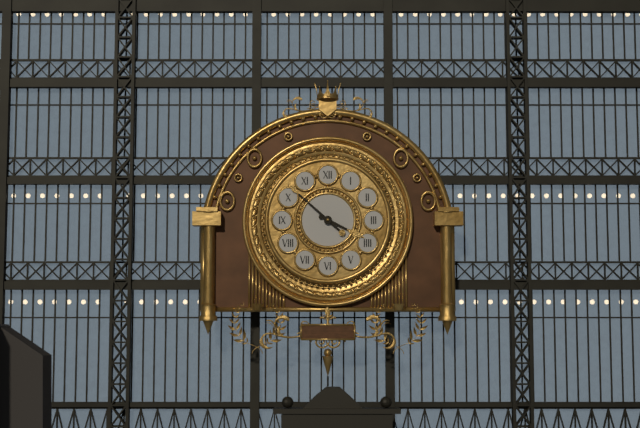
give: {"hour": 3, "minute": 52}
